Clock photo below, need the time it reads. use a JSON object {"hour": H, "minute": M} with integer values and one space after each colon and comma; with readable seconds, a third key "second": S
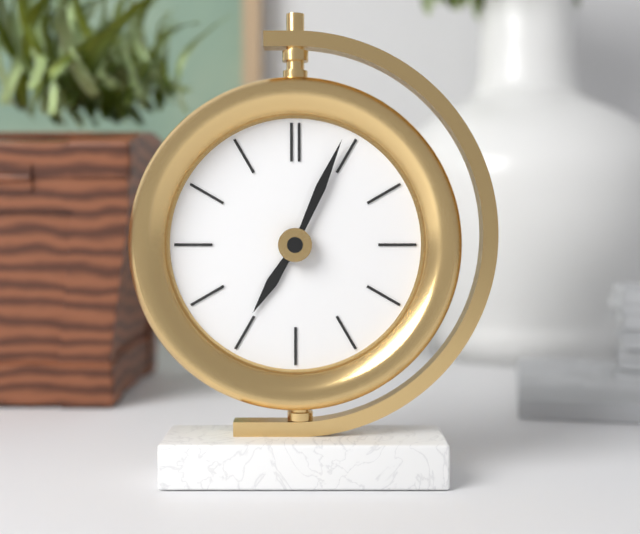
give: {"hour": 7, "minute": 4}
